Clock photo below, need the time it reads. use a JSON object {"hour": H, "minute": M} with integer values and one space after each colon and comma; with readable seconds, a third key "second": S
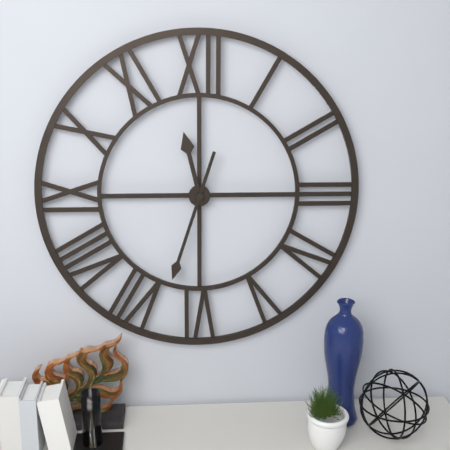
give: {"hour": 11, "minute": 33}
